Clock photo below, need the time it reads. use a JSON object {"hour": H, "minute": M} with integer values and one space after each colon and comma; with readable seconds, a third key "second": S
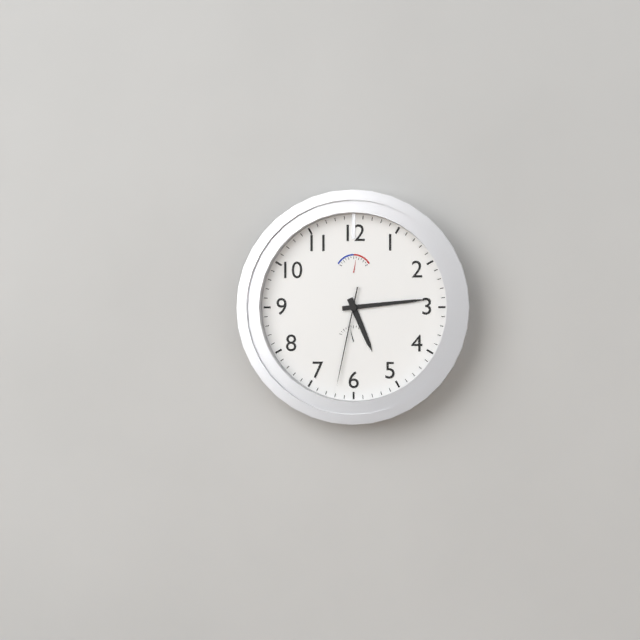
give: {"hour": 5, "minute": 14, "second": 32}
